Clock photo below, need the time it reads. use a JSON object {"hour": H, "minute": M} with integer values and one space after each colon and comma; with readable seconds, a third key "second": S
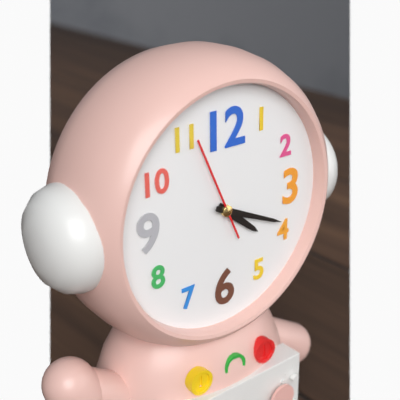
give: {"hour": 4, "minute": 19, "second": 56}
